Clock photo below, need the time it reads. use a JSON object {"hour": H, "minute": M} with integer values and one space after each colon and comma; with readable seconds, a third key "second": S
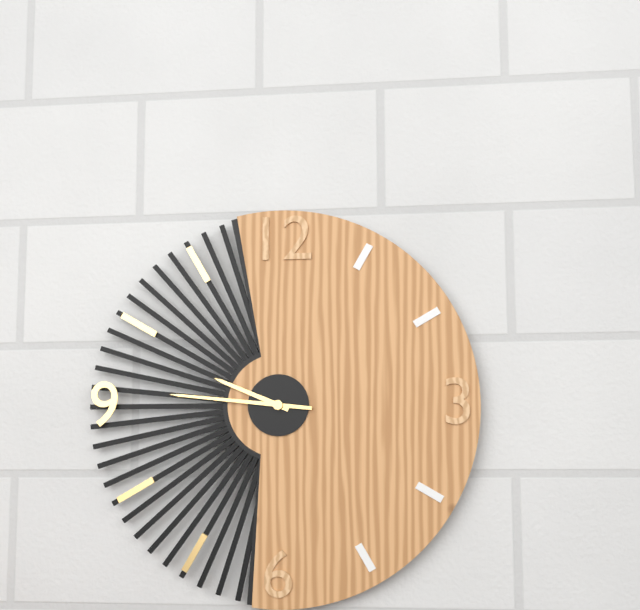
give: {"hour": 9, "minute": 46}
